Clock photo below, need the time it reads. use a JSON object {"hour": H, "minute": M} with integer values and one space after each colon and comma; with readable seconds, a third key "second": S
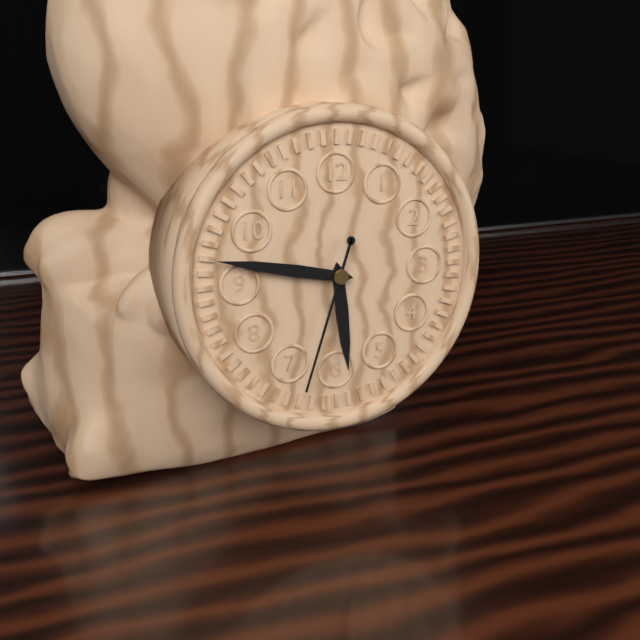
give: {"hour": 5, "minute": 47, "second": 33}
